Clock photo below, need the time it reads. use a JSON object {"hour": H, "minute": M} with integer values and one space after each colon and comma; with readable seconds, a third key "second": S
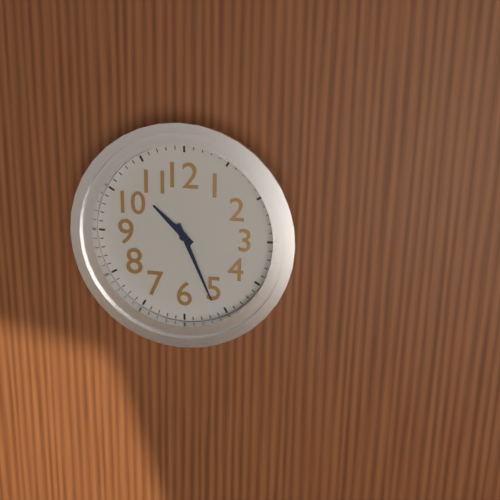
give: {"hour": 10, "minute": 26}
